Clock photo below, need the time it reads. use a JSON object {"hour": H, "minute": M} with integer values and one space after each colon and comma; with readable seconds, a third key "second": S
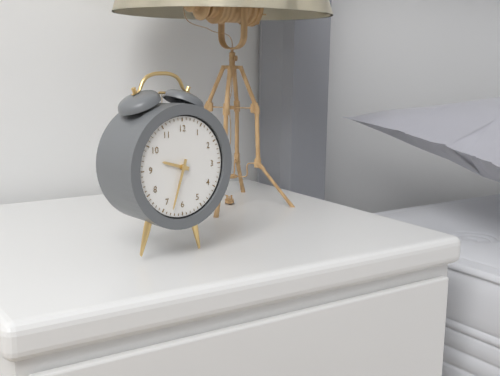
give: {"hour": 9, "minute": 33}
